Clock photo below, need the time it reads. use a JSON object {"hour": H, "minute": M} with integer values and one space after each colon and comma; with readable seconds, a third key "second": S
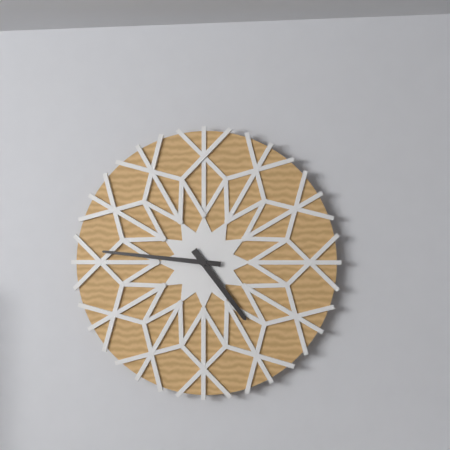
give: {"hour": 4, "minute": 46}
